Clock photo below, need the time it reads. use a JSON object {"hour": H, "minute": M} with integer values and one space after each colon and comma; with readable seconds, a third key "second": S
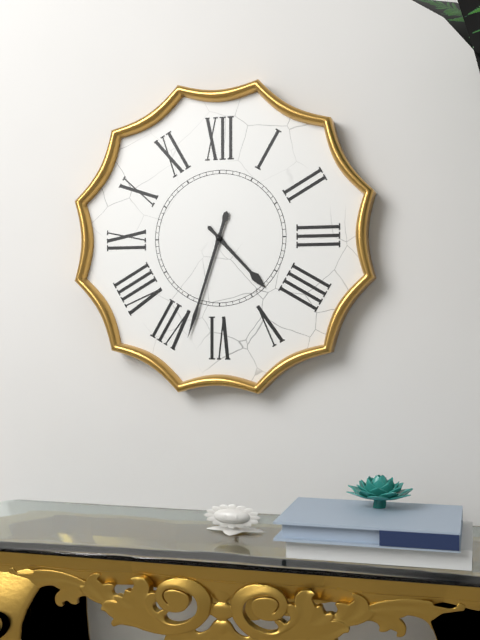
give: {"hour": 4, "minute": 33}
